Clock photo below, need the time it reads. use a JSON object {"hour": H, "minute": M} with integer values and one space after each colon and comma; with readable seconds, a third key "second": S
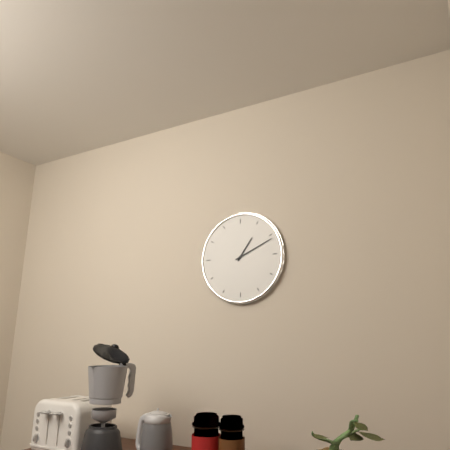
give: {"hour": 1, "minute": 11}
